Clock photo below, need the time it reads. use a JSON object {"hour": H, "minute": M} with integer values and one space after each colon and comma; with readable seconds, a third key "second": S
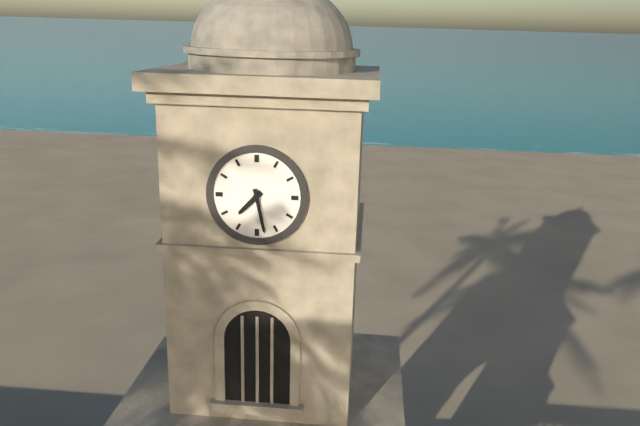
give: {"hour": 7, "minute": 28}
